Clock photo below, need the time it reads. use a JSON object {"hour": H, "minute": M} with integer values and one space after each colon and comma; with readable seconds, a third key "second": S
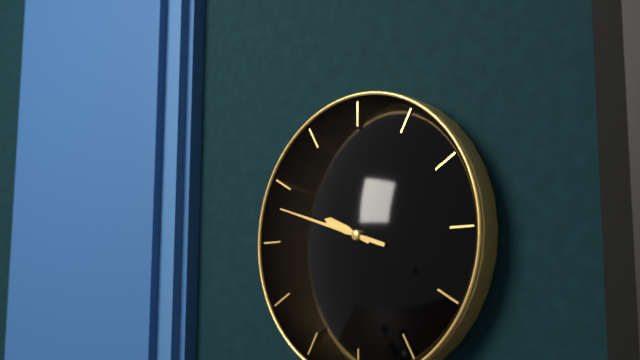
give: {"hour": 9, "minute": 48}
